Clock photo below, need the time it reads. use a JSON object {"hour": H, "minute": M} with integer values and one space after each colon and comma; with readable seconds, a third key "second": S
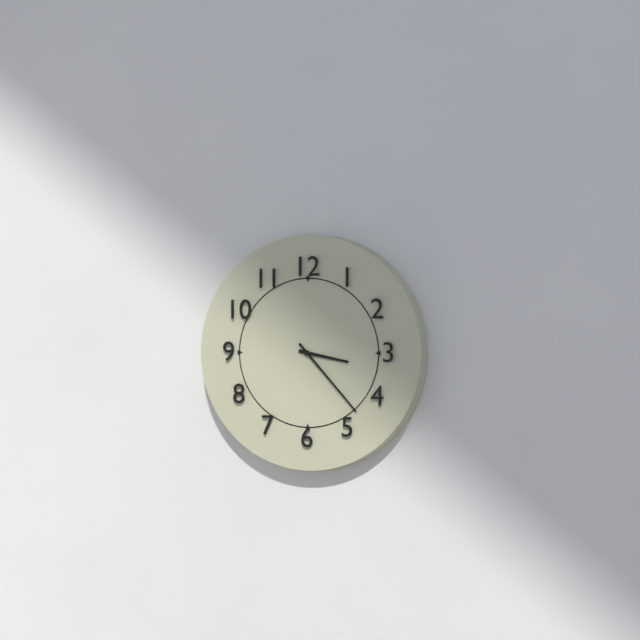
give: {"hour": 3, "minute": 23}
